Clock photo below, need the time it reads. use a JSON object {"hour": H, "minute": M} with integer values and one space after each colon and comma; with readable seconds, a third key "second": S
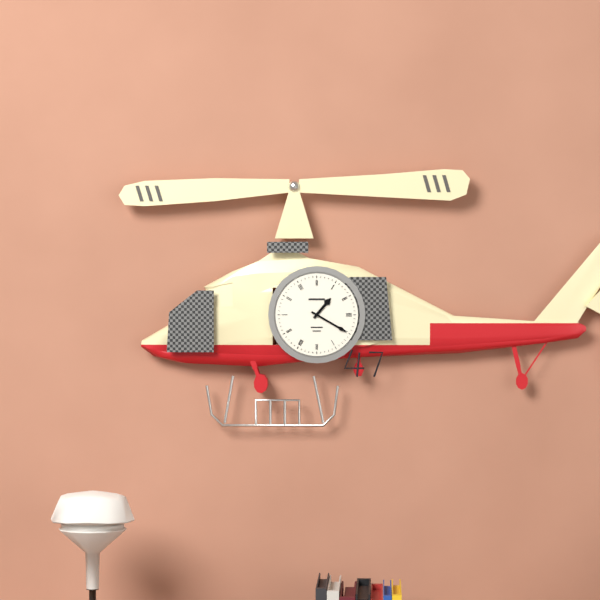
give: {"hour": 1, "minute": 20}
